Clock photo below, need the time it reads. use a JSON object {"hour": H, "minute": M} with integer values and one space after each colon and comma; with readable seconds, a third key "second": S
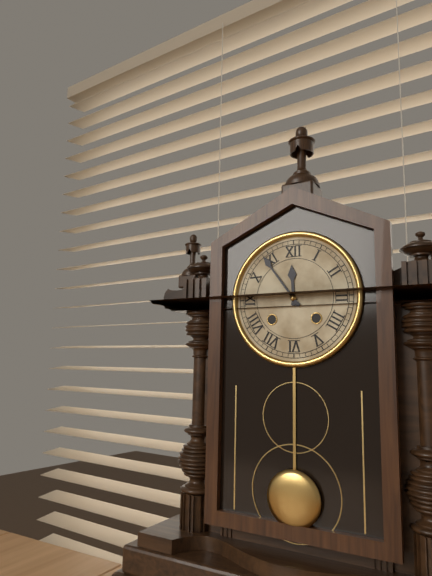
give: {"hour": 11, "minute": 54}
